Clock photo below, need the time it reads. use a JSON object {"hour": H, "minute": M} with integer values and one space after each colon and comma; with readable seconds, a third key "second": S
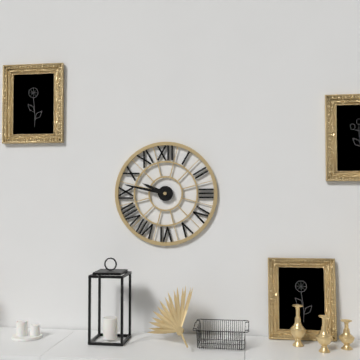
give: {"hour": 9, "minute": 47}
